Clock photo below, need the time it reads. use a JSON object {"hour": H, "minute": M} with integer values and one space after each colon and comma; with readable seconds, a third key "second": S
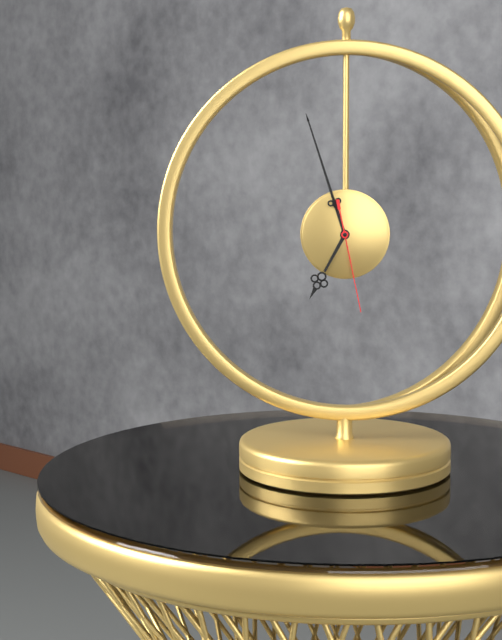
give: {"hour": 6, "minute": 57, "second": 28}
